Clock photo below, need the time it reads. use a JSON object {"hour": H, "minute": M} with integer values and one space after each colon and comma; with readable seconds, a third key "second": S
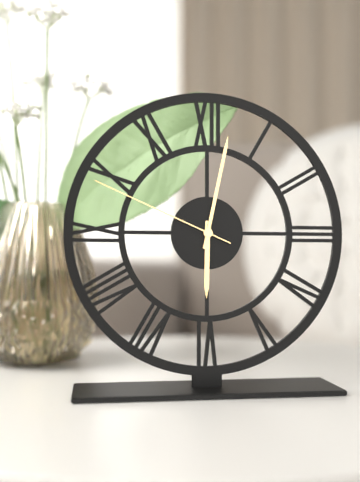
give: {"hour": 6, "minute": 2, "second": 49}
